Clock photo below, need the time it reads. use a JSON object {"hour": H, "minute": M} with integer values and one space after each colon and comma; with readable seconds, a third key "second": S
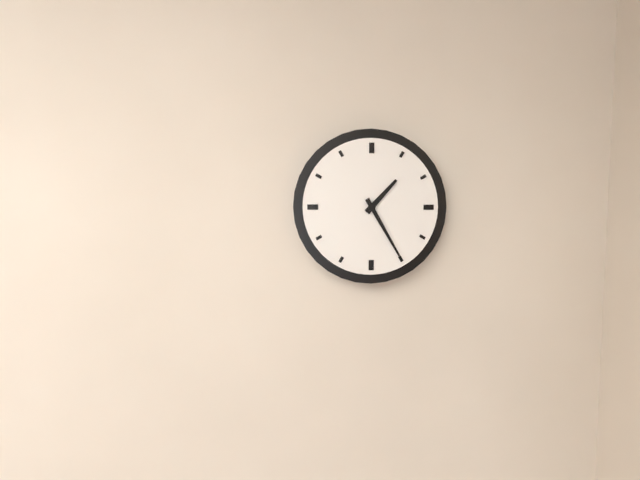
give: {"hour": 1, "minute": 25}
